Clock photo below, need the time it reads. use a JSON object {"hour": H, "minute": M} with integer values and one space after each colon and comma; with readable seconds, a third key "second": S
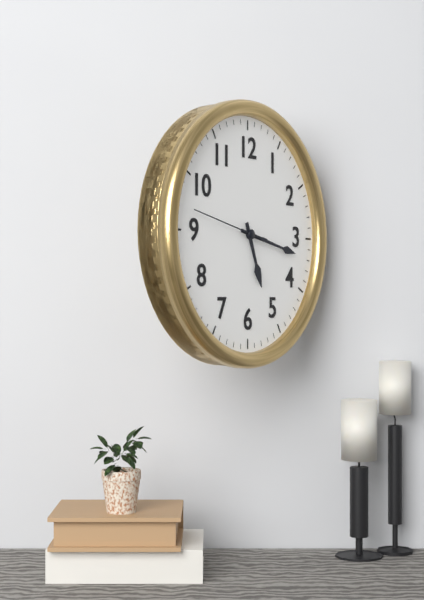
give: {"hour": 5, "minute": 17, "second": 47}
